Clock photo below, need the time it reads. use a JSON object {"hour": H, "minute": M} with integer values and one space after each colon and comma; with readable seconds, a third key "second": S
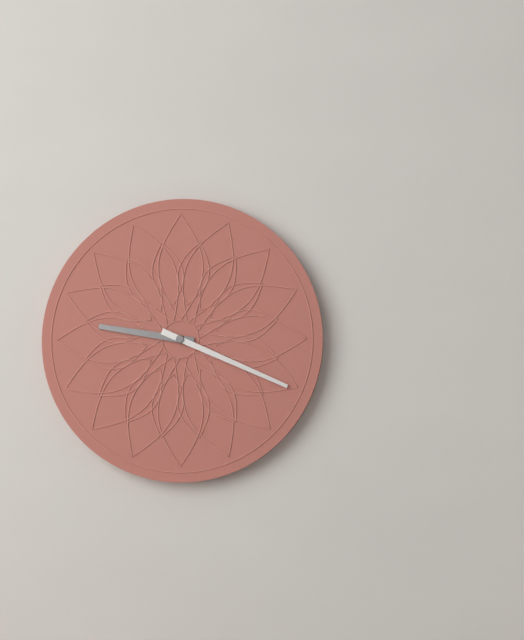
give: {"hour": 9, "minute": 19}
